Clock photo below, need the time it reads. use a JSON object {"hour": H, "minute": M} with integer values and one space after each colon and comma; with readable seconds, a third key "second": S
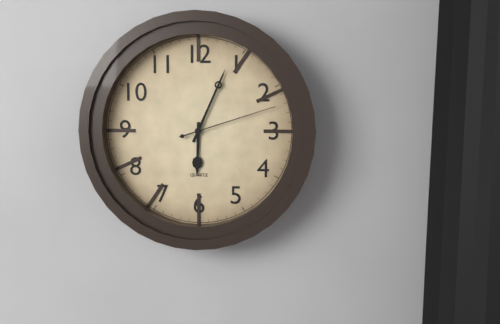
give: {"hour": 6, "minute": 4, "second": 12}
